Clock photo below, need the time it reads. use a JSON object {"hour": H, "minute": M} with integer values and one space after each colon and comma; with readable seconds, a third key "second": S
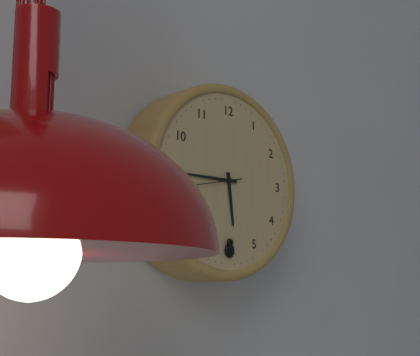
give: {"hour": 5, "minute": 45}
